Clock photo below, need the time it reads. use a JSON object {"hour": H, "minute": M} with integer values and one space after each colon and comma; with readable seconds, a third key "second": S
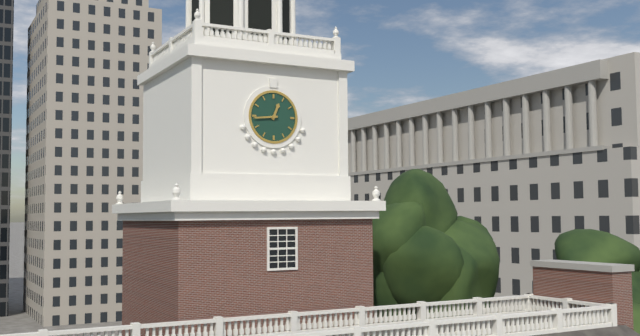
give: {"hour": 12, "minute": 44}
